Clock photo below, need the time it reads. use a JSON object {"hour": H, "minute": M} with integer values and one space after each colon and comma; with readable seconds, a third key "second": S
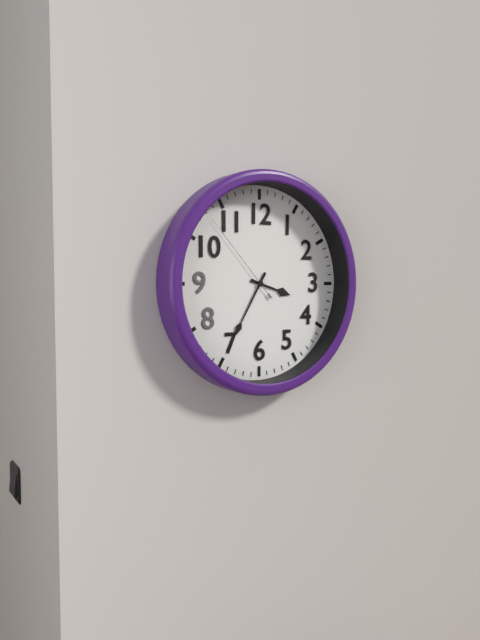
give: {"hour": 3, "minute": 35, "second": 53}
